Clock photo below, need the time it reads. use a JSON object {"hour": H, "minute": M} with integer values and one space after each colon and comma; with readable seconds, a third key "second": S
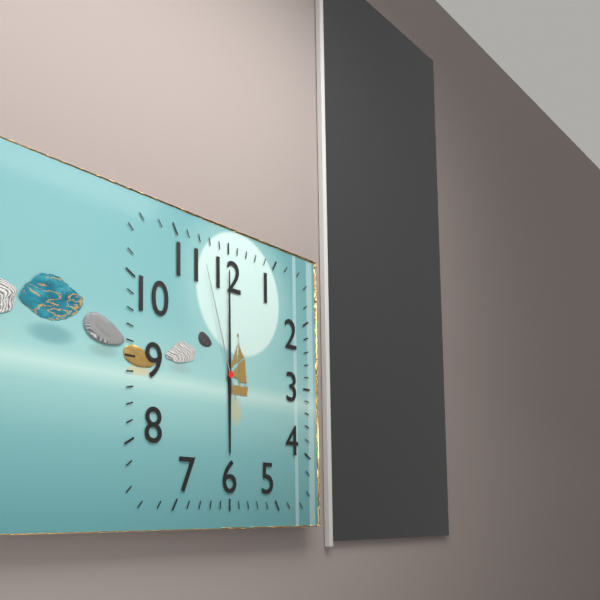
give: {"hour": 6, "minute": 0, "second": 57}
